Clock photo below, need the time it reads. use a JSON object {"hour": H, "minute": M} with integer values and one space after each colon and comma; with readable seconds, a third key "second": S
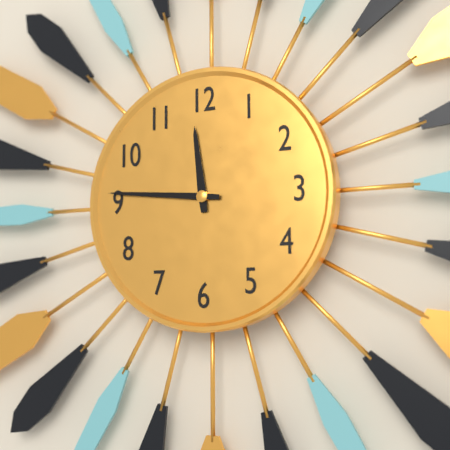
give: {"hour": 11, "minute": 46}
